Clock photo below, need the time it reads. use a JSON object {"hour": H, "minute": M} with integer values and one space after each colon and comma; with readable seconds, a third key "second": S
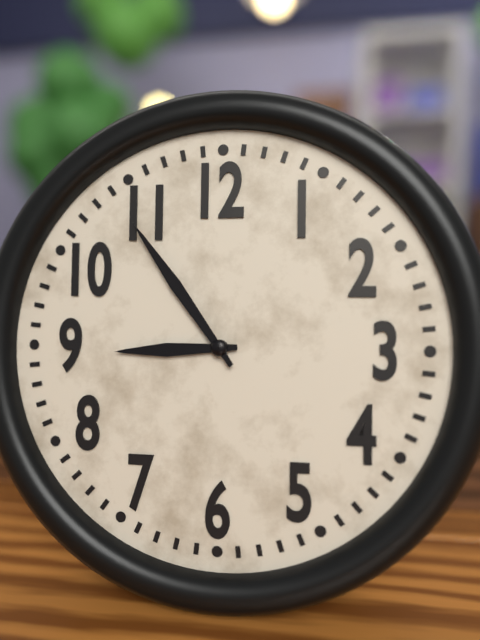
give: {"hour": 8, "minute": 54}
